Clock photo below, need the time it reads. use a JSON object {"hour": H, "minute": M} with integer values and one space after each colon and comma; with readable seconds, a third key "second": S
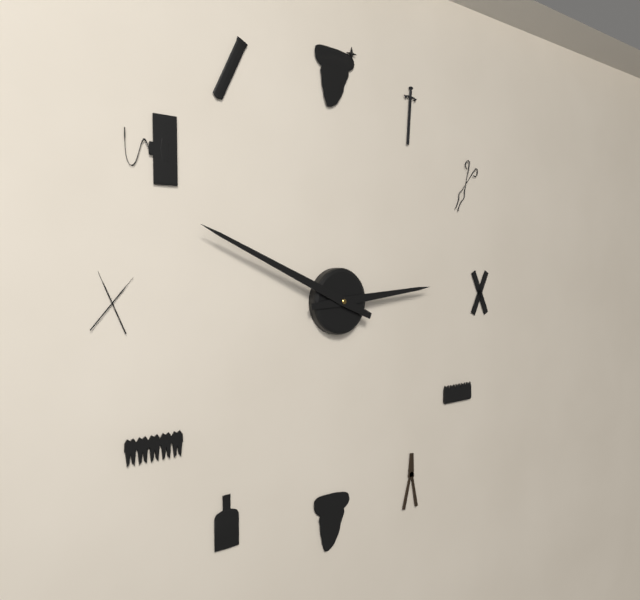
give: {"hour": 2, "minute": 49}
